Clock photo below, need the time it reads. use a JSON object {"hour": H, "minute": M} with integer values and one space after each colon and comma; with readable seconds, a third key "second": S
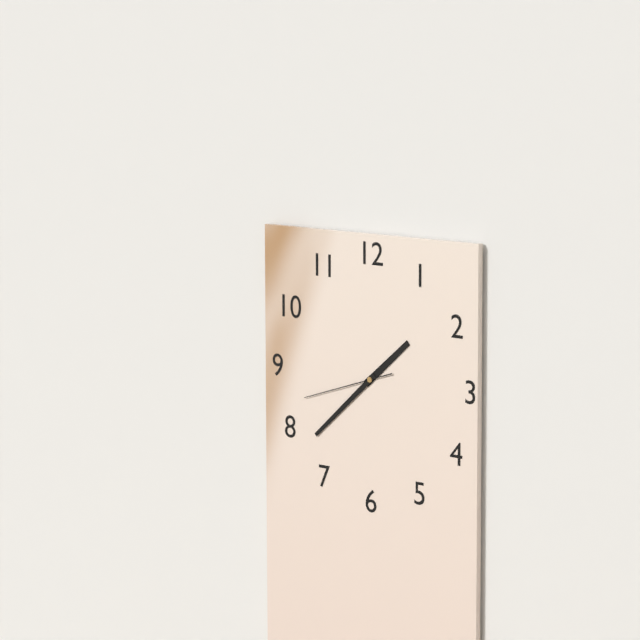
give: {"hour": 1, "minute": 38, "second": 42}
